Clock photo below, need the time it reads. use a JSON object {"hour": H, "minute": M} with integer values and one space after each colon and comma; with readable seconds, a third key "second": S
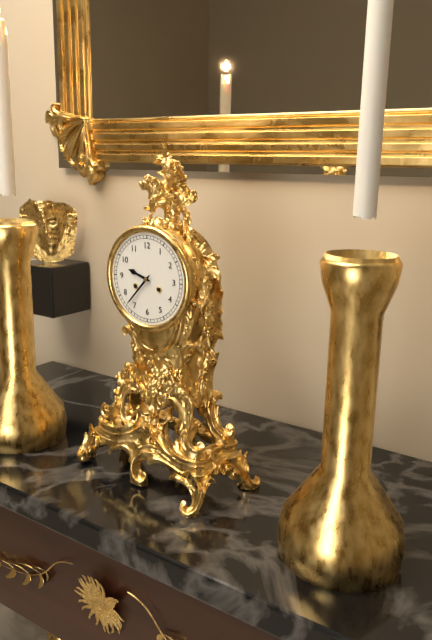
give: {"hour": 9, "minute": 37}
